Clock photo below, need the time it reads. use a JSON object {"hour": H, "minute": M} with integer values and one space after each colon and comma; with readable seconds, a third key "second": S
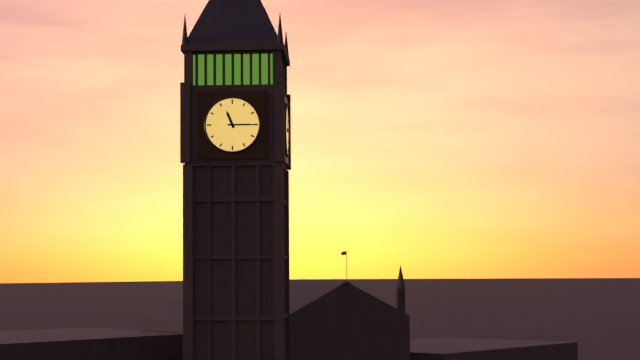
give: {"hour": 11, "minute": 15}
